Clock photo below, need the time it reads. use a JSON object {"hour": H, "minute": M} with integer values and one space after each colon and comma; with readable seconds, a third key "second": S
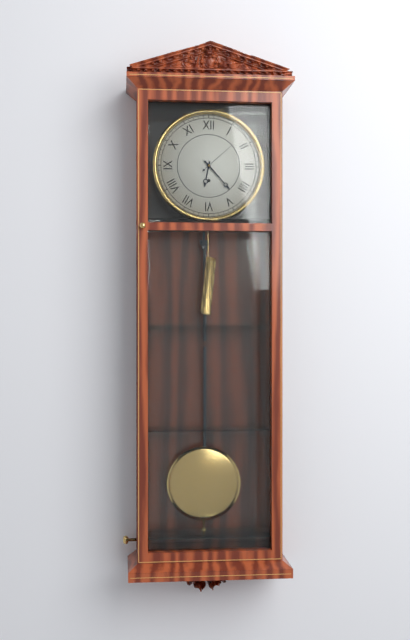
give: {"hour": 6, "minute": 23}
